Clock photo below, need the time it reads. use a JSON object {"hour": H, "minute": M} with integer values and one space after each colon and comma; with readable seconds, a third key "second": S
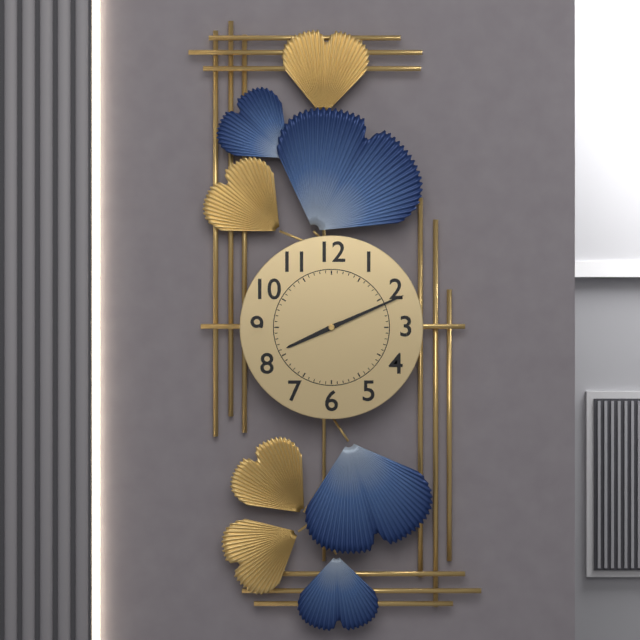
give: {"hour": 8, "minute": 11}
